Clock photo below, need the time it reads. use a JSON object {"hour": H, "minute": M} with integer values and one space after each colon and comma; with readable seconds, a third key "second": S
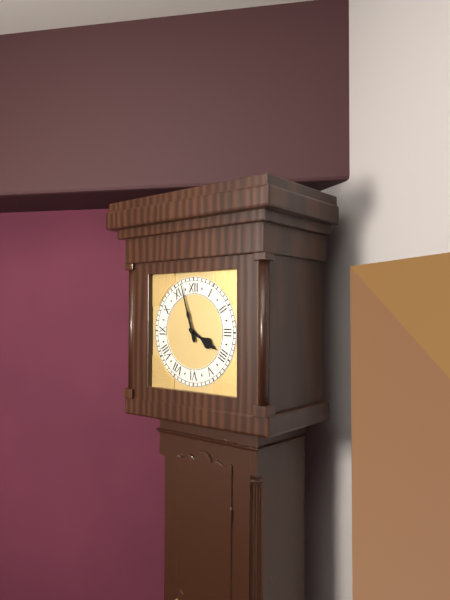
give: {"hour": 3, "minute": 57}
